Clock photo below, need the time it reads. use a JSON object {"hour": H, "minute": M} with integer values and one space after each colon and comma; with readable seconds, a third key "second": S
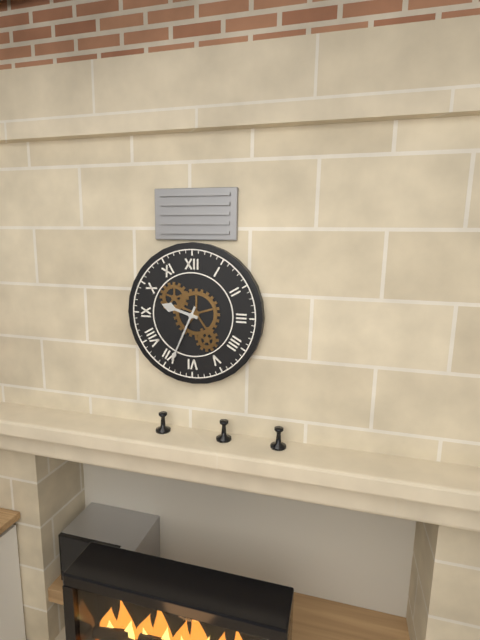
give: {"hour": 9, "minute": 34}
